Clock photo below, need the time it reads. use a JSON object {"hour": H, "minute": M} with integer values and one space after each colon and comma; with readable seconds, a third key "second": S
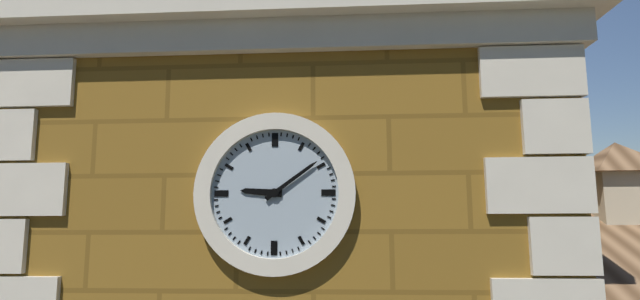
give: {"hour": 9, "minute": 9}
